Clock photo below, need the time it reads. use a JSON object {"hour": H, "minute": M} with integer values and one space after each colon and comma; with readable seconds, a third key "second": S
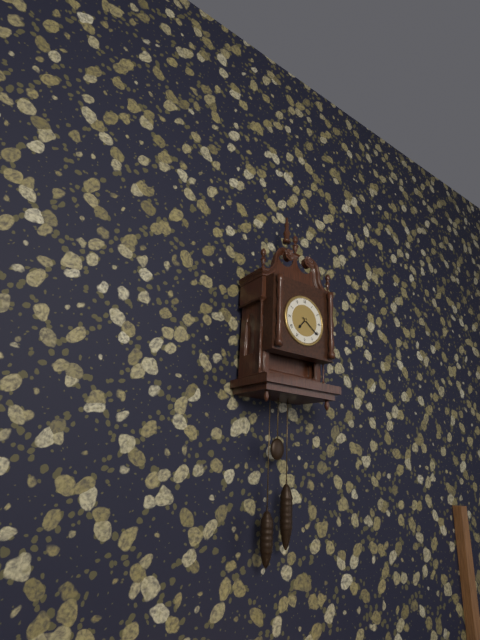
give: {"hour": 7, "minute": 21}
